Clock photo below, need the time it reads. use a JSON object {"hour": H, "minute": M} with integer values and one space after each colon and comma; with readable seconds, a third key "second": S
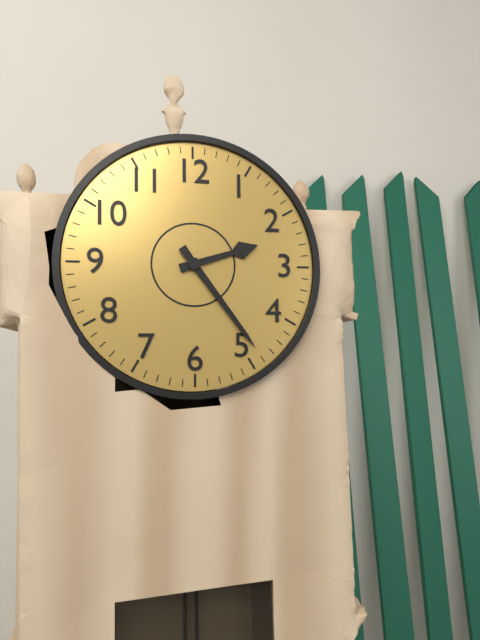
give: {"hour": 2, "minute": 24}
